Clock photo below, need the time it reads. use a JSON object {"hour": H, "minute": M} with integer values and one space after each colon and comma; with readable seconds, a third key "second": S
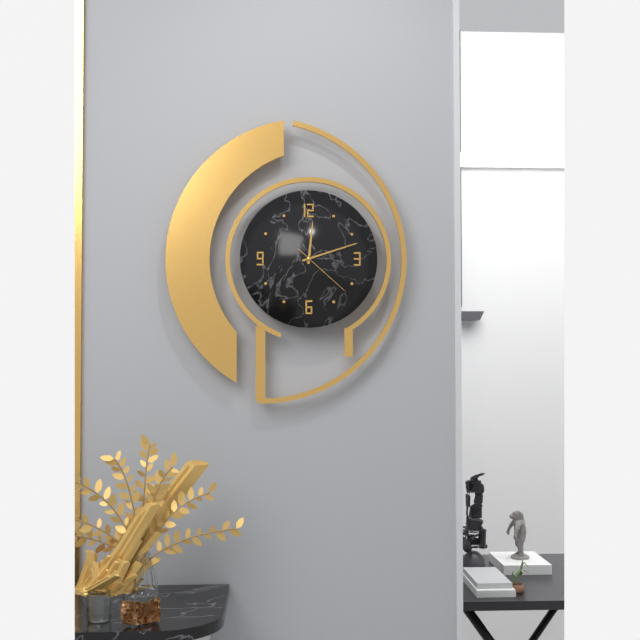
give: {"hour": 12, "minute": 12, "second": 22}
